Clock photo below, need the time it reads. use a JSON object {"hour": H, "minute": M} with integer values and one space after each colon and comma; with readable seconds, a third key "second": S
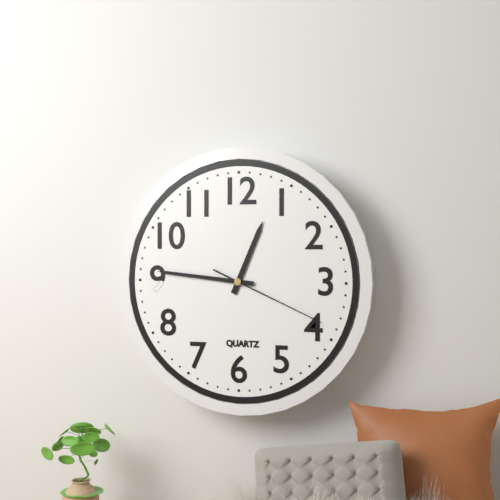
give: {"hour": 12, "minute": 46, "second": 19}
